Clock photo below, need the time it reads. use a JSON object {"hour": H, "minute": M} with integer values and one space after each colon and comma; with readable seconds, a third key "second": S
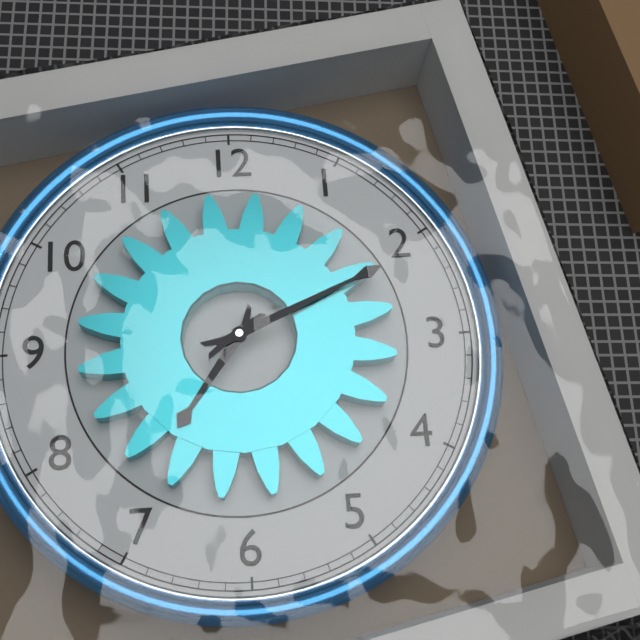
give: {"hour": 7, "minute": 11}
